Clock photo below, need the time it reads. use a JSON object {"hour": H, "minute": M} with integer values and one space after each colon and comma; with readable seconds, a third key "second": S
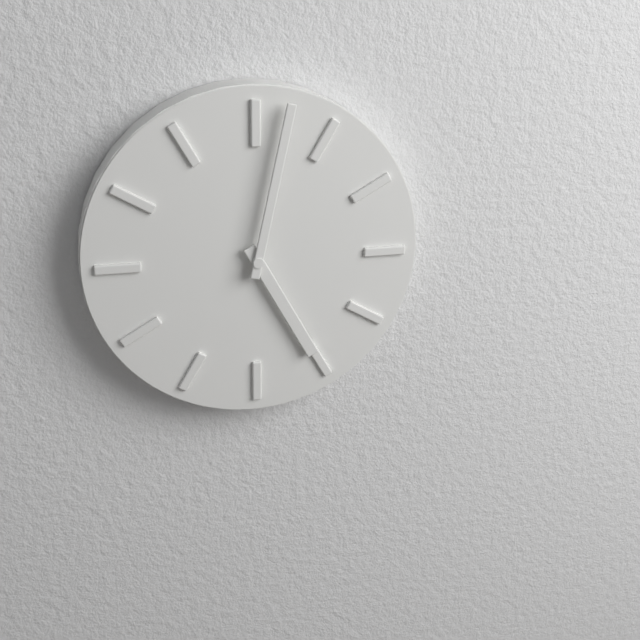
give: {"hour": 5, "minute": 2}
